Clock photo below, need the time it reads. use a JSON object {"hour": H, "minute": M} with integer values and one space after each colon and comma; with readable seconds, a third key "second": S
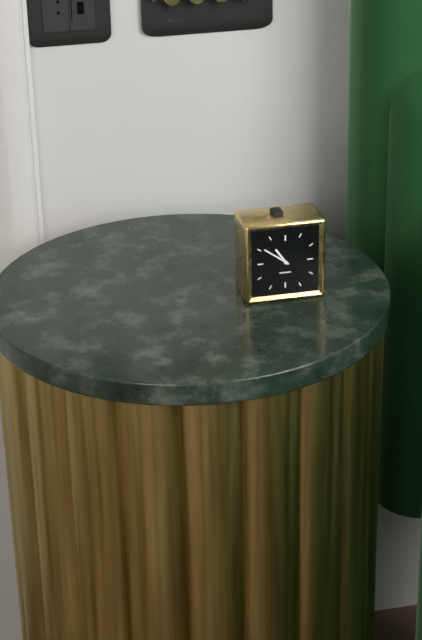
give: {"hour": 10, "minute": 51}
